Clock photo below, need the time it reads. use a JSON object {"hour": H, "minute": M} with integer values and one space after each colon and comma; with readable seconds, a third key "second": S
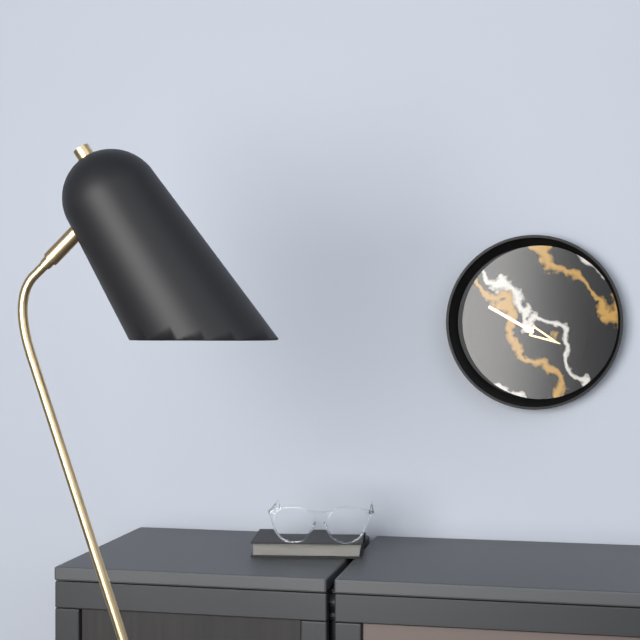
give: {"hour": 3, "minute": 50}
